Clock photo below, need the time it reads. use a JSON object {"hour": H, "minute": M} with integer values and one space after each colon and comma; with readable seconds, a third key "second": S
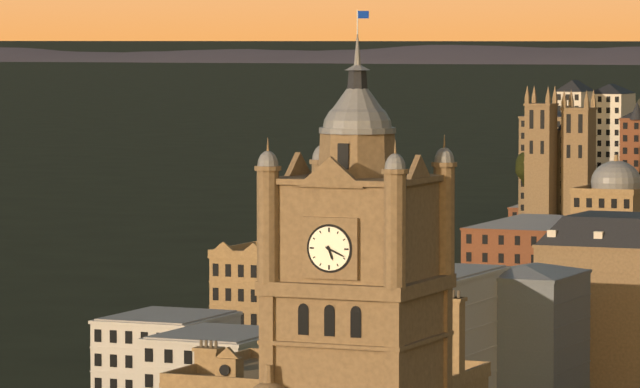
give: {"hour": 5, "minute": 19}
